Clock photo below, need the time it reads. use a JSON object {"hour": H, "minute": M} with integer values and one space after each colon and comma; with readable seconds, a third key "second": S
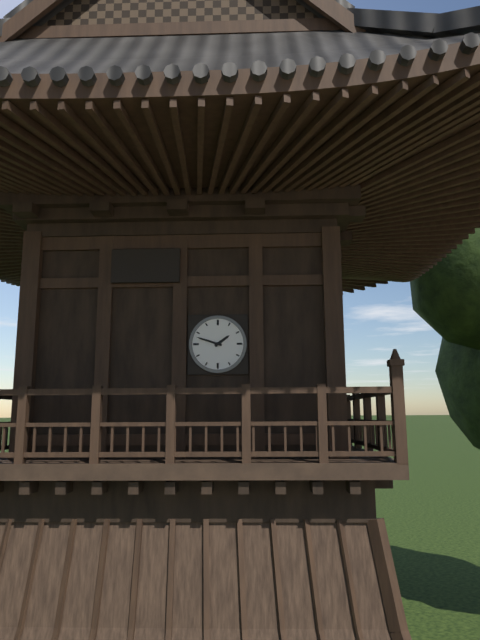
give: {"hour": 1, "minute": 48}
